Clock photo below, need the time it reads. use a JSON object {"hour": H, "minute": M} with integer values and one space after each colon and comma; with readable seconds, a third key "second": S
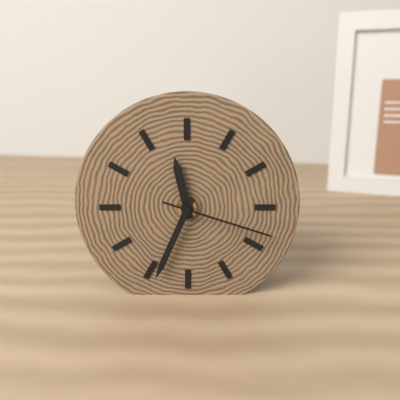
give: {"hour": 11, "minute": 34, "second": 18}
